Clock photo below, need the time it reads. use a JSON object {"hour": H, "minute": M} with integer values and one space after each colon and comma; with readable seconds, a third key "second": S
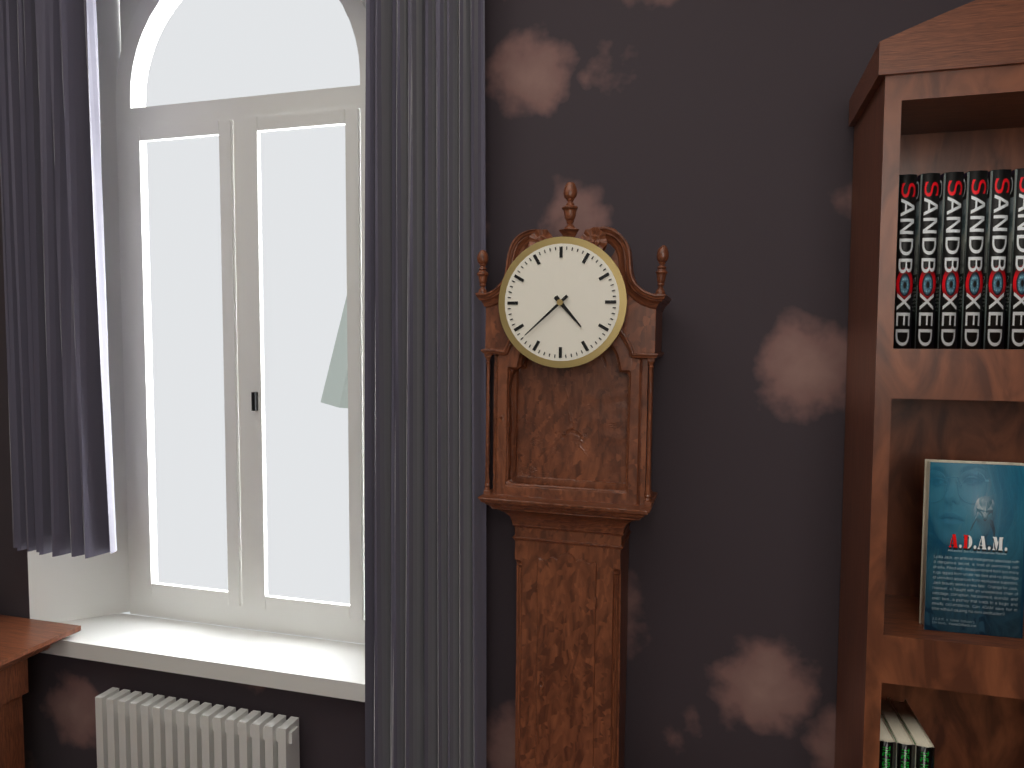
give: {"hour": 4, "minute": 38}
